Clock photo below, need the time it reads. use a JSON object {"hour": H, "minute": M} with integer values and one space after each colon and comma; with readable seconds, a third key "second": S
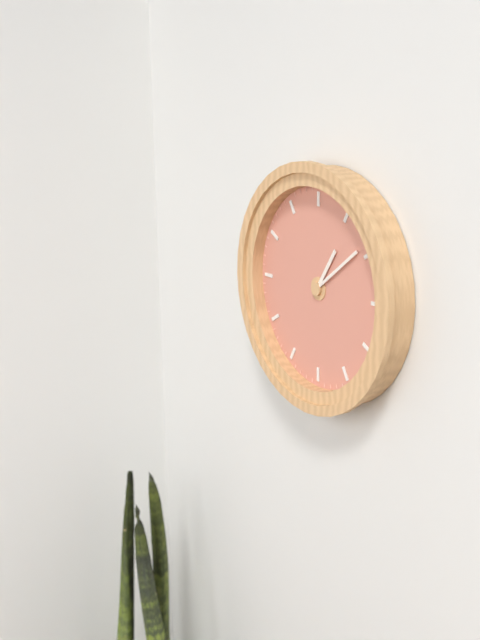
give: {"hour": 1, "minute": 9}
